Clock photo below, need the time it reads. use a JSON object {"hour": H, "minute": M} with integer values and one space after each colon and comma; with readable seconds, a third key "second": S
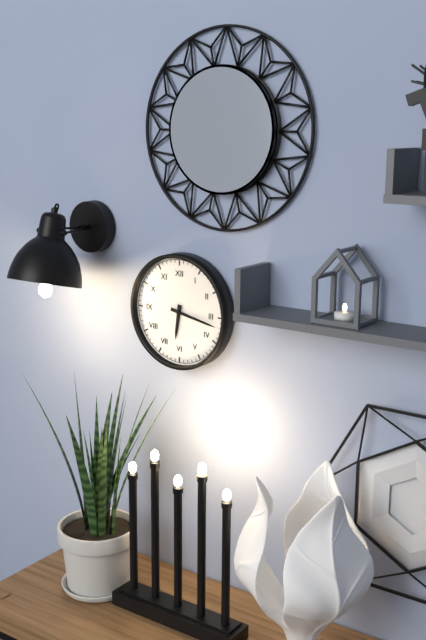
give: {"hour": 6, "minute": 17}
